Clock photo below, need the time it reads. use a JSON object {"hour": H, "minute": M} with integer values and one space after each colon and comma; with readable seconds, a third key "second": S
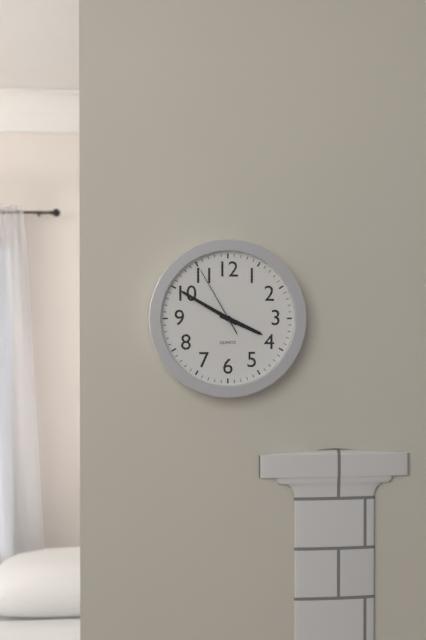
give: {"hour": 3, "minute": 50, "second": 55}
